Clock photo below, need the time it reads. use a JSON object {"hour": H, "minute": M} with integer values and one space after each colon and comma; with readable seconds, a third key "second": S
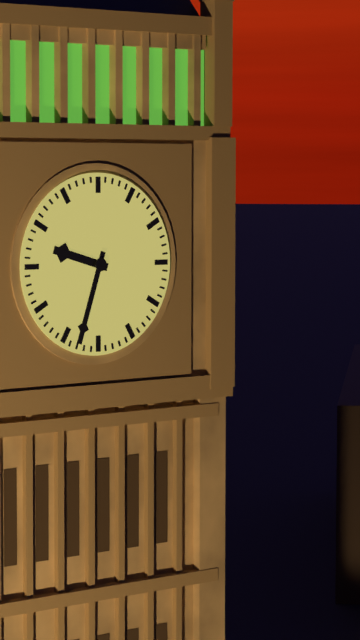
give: {"hour": 9, "minute": 33}
